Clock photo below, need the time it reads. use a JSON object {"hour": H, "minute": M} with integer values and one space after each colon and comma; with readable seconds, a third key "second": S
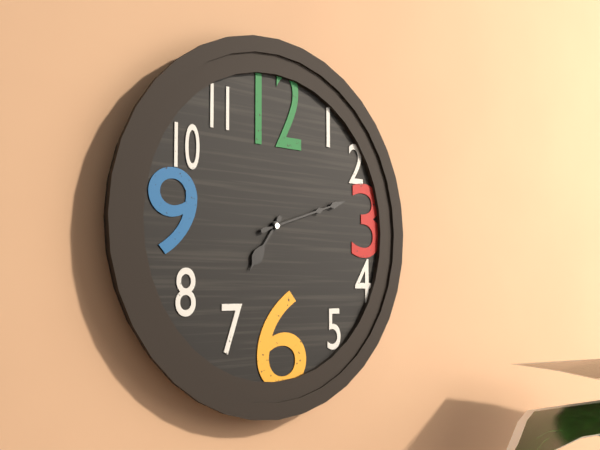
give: {"hour": 7, "minute": 12}
